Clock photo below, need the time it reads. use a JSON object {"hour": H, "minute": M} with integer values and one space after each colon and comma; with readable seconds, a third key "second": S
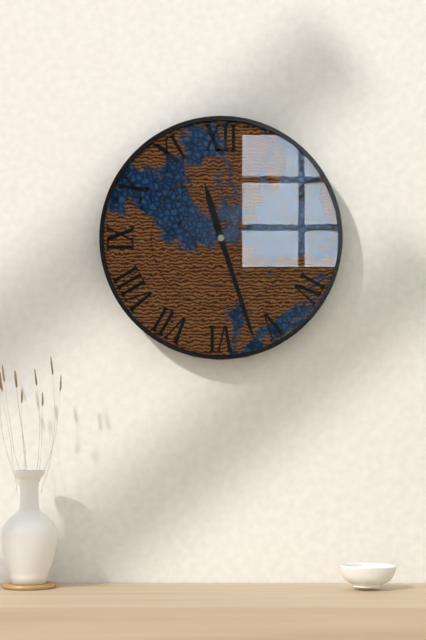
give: {"hour": 11, "minute": 27}
